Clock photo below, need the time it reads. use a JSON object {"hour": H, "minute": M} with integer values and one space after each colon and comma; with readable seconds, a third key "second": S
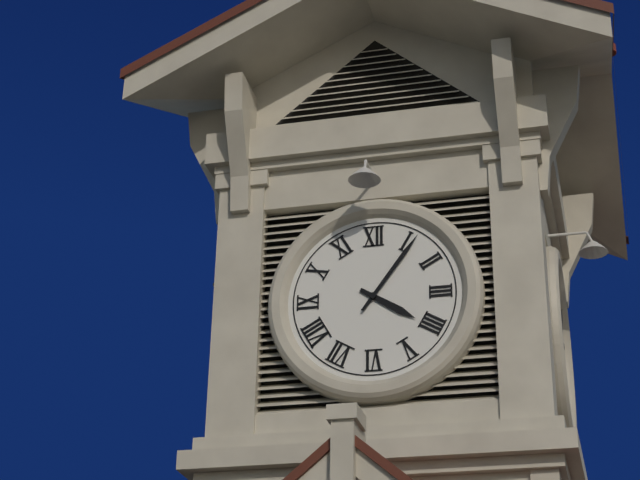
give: {"hour": 4, "minute": 6}
